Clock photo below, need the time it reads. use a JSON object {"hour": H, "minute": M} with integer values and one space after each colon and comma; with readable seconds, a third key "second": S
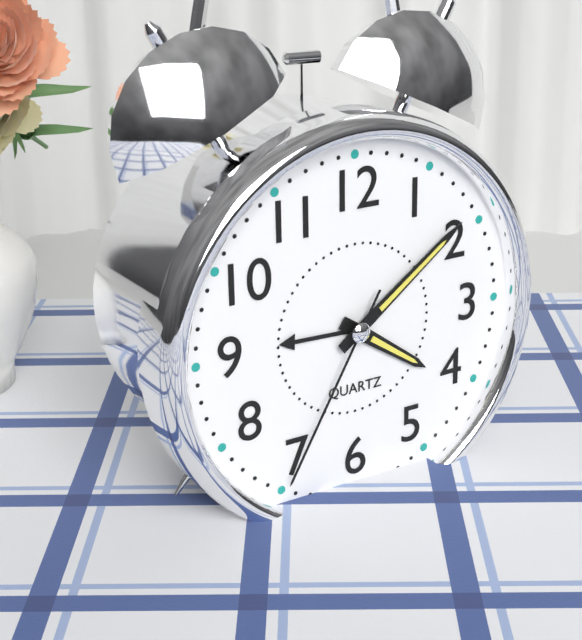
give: {"hour": 4, "minute": 9, "second": 35}
